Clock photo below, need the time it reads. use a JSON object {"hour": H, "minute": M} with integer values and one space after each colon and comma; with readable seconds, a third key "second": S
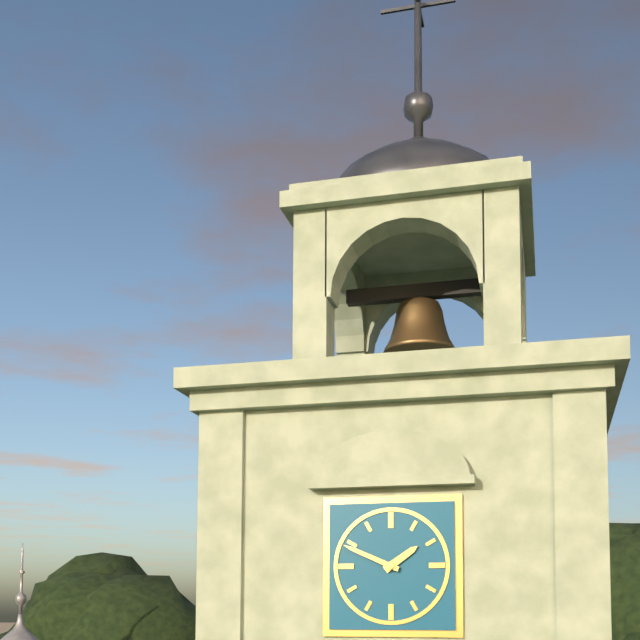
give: {"hour": 1, "minute": 49}
